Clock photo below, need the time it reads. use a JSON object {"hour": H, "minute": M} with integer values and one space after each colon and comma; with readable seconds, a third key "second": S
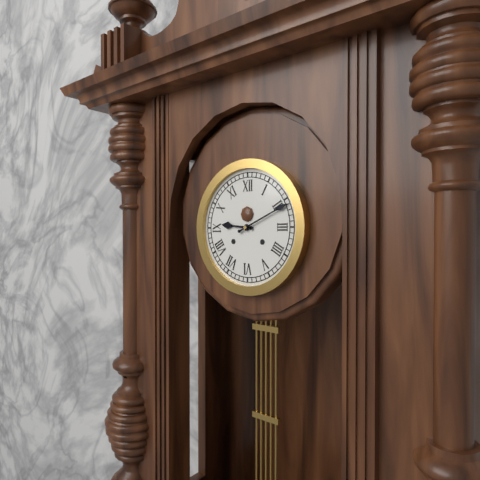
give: {"hour": 9, "minute": 11}
